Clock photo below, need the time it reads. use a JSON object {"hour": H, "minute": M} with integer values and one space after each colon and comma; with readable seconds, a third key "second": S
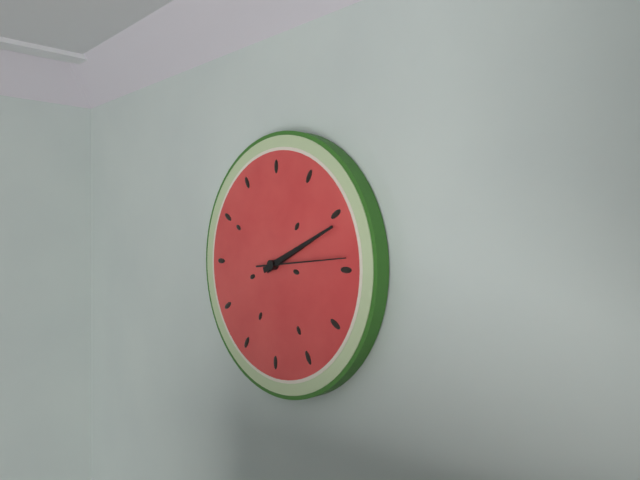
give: {"hour": 2, "minute": 11, "second": 14}
